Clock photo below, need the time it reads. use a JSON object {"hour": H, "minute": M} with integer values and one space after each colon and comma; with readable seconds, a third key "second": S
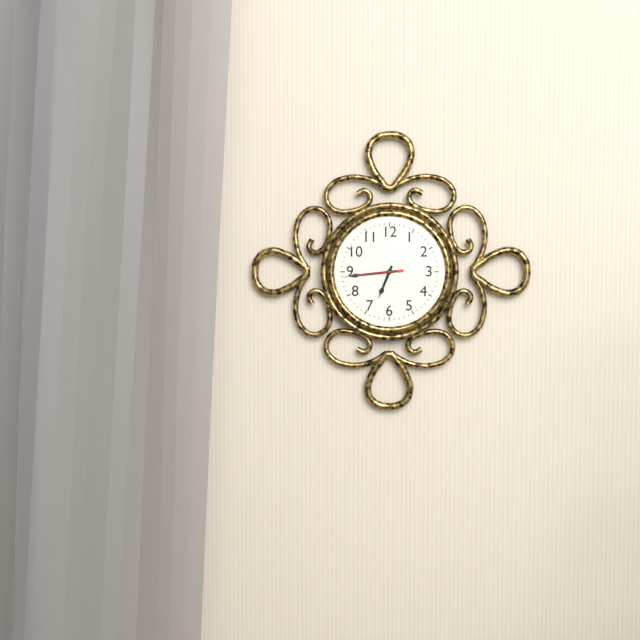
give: {"hour": 6, "minute": 44, "second": 44}
